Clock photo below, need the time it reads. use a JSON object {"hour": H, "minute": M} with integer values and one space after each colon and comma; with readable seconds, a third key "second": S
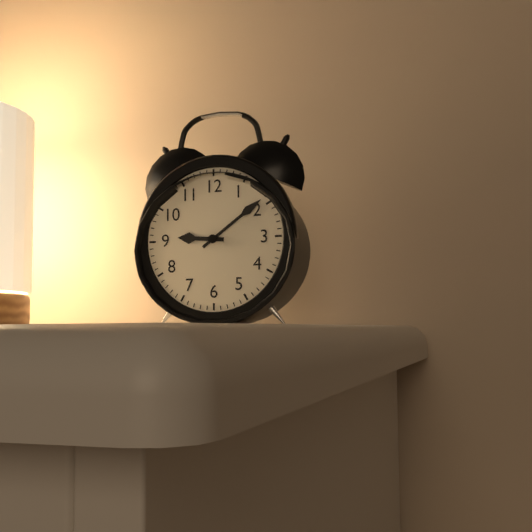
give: {"hour": 9, "minute": 9}
